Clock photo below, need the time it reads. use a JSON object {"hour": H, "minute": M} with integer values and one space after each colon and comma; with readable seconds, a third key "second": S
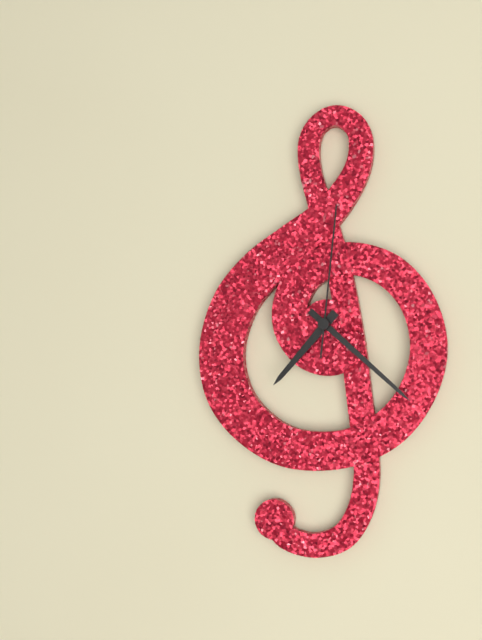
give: {"hour": 7, "minute": 22, "second": 1}
